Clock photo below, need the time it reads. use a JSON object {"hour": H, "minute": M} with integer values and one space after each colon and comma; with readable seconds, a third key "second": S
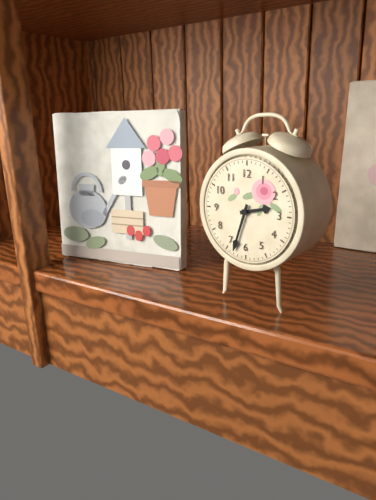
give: {"hour": 2, "minute": 33}
